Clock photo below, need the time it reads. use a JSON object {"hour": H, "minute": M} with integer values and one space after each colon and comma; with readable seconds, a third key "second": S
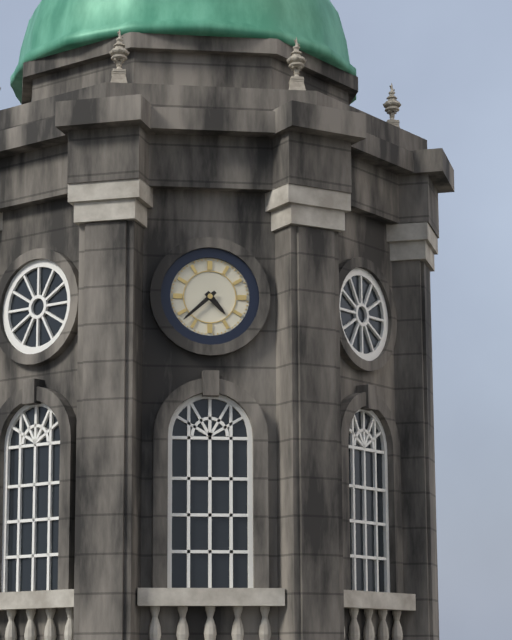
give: {"hour": 4, "minute": 38}
